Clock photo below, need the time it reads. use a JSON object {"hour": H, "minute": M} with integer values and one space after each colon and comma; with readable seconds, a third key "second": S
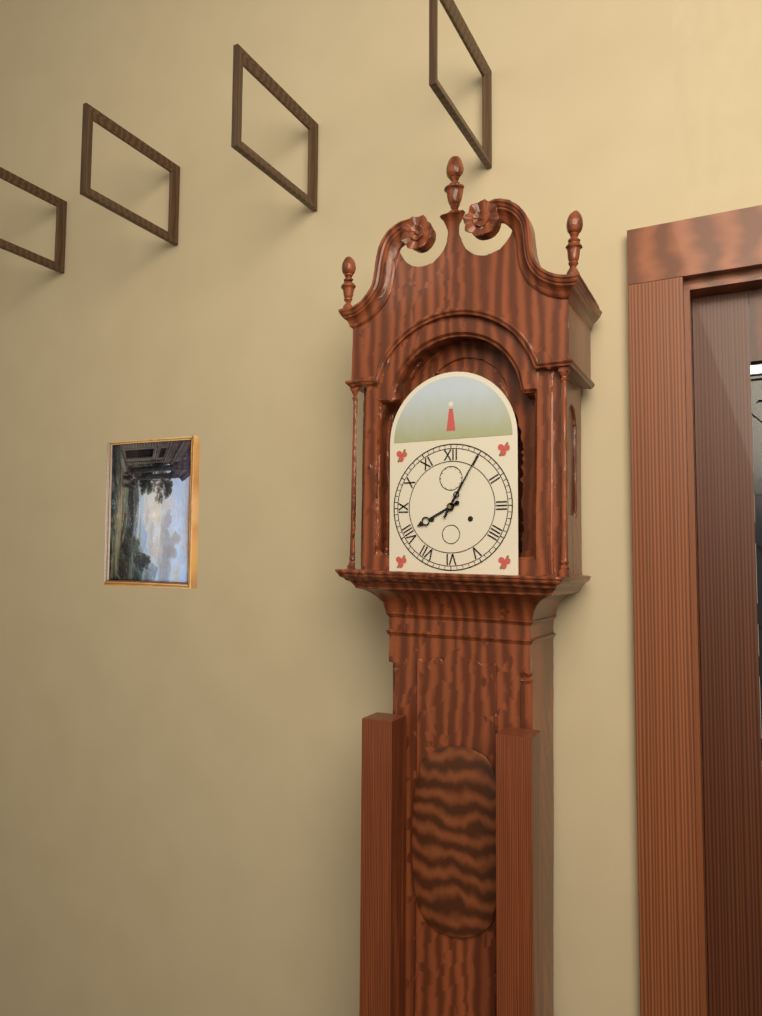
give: {"hour": 8, "minute": 5}
